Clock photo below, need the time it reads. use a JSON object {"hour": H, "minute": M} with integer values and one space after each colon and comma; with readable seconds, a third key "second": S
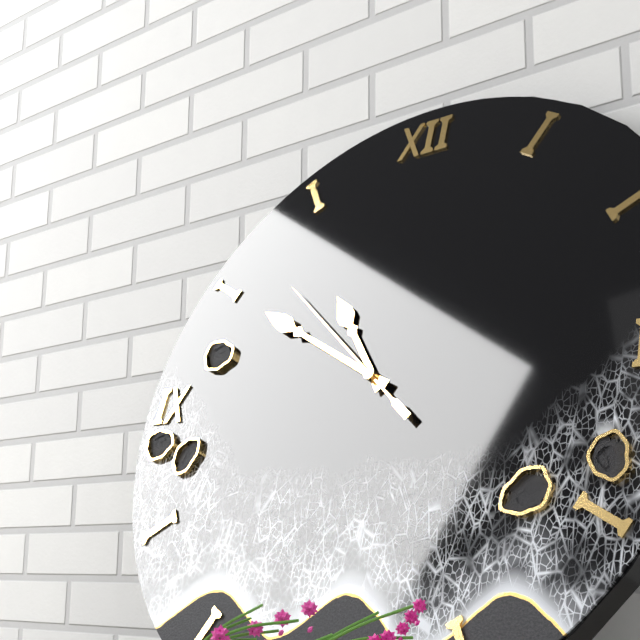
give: {"hour": 10, "minute": 50, "second": 52}
